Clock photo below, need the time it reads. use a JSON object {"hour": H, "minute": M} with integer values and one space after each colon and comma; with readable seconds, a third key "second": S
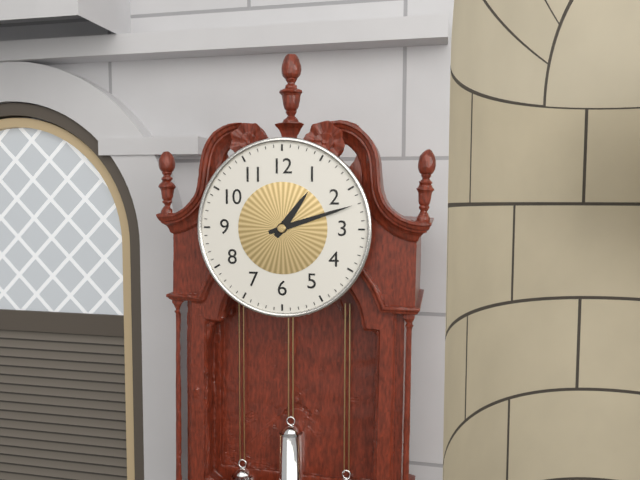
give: {"hour": 1, "minute": 12}
